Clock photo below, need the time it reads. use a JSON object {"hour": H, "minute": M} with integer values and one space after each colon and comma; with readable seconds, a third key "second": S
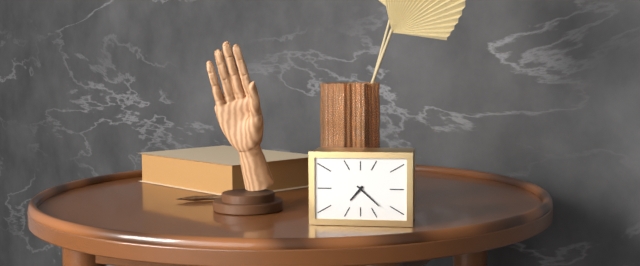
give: {"hour": 7, "minute": 22}
